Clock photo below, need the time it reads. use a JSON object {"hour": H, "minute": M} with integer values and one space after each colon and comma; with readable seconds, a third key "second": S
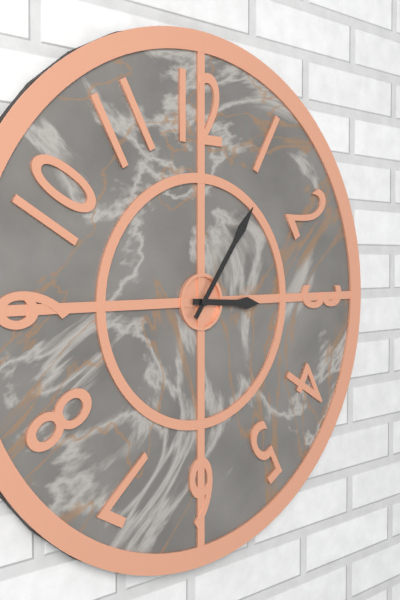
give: {"hour": 3, "minute": 6}
